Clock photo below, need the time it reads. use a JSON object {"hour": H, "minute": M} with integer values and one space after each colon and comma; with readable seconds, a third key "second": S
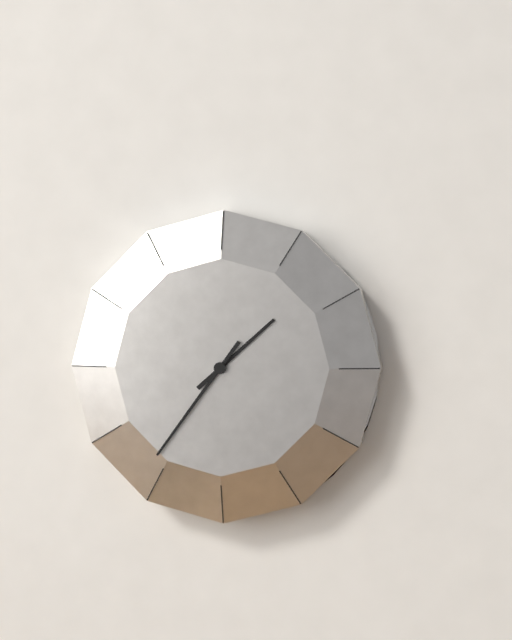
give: {"hour": 1, "minute": 36}
